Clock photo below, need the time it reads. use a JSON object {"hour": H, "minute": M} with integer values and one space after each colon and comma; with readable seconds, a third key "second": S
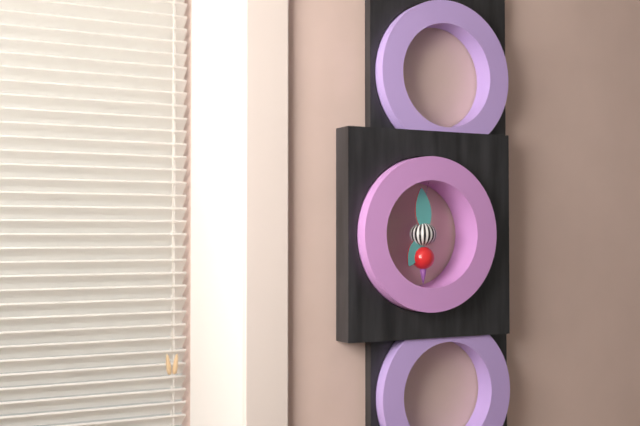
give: {"hour": 6, "minute": 59}
